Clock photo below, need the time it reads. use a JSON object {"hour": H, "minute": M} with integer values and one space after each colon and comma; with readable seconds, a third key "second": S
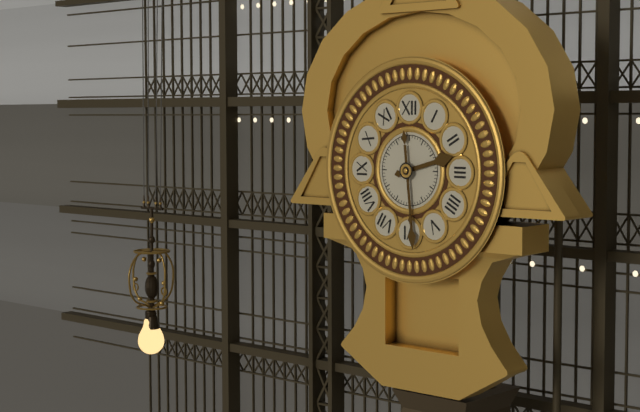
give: {"hour": 2, "minute": 29}
